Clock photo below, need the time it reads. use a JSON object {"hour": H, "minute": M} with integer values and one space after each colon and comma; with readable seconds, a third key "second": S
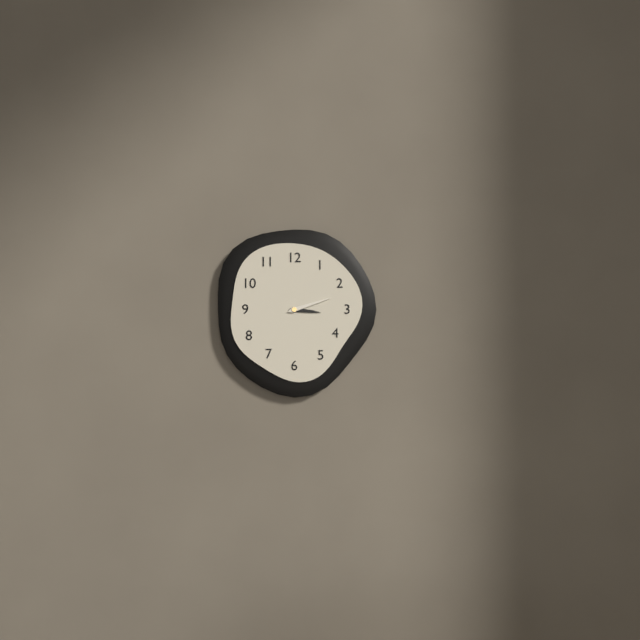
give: {"hour": 3, "minute": 12}
